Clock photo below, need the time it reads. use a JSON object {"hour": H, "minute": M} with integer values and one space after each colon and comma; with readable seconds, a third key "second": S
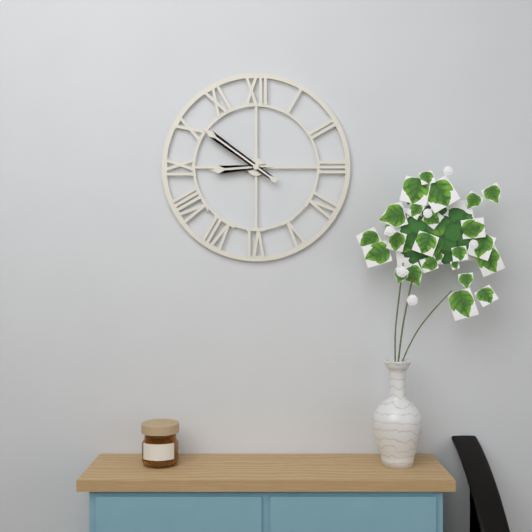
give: {"hour": 8, "minute": 51}
